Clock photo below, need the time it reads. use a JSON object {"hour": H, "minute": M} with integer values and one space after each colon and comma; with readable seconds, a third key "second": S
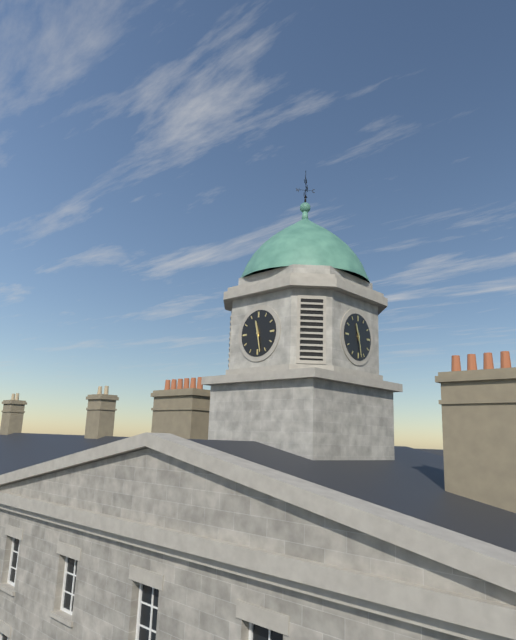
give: {"hour": 11, "minute": 28}
